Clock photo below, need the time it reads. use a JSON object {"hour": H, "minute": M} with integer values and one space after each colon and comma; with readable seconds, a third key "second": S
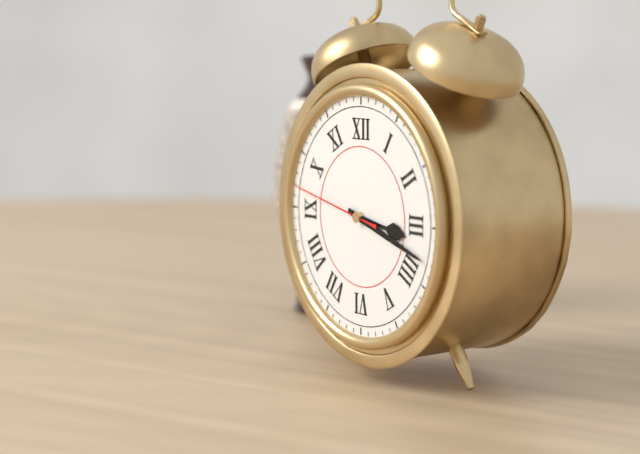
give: {"hour": 3, "minute": 18, "second": 47}
